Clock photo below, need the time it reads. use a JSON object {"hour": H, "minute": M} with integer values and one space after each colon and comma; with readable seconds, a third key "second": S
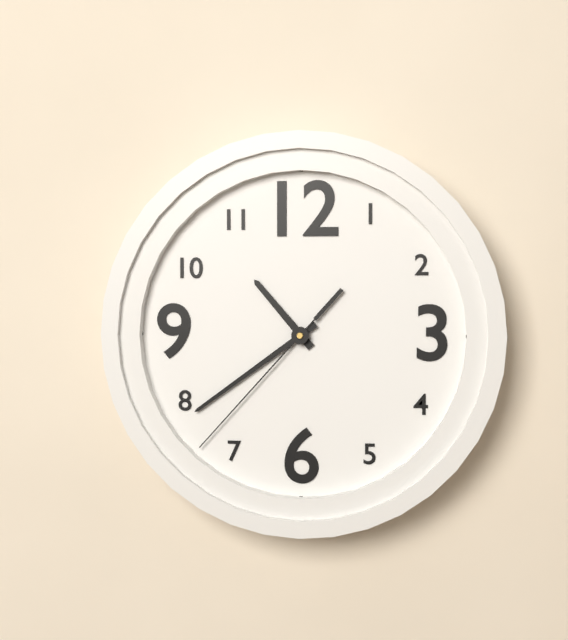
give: {"hour": 10, "minute": 39, "second": 37}
